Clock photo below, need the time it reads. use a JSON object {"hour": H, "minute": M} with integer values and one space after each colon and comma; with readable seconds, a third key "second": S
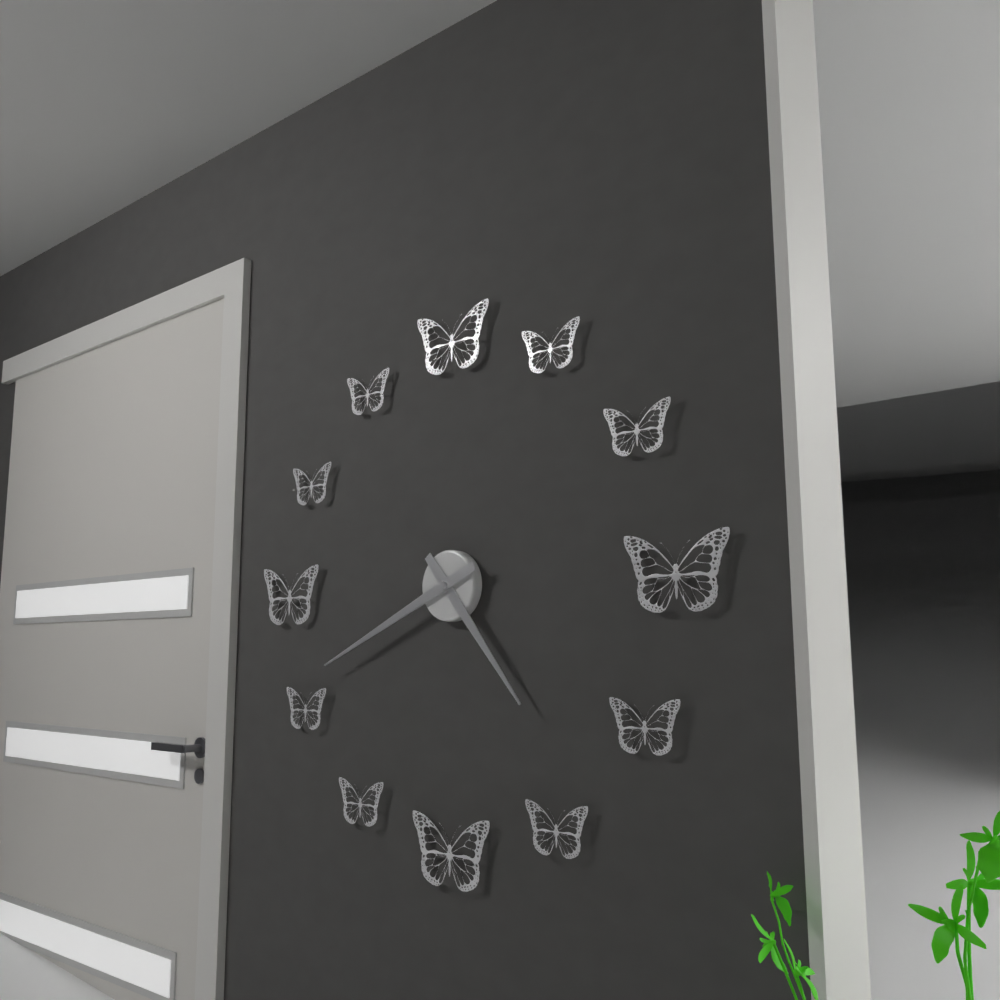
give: {"hour": 4, "minute": 41}
